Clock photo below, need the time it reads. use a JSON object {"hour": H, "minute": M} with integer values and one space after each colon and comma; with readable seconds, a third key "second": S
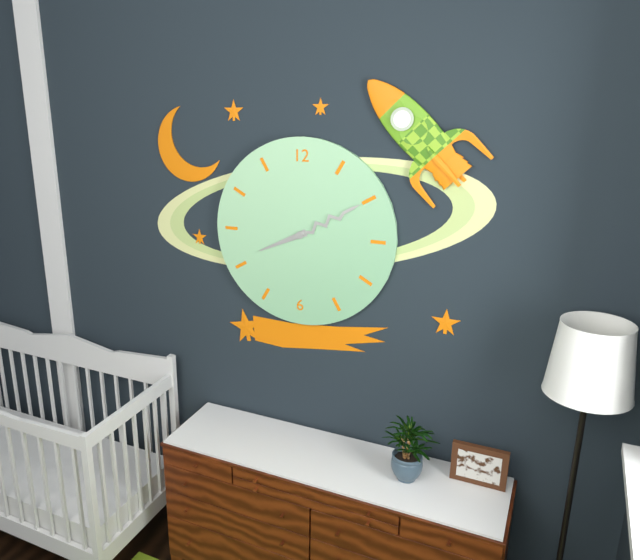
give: {"hour": 8, "minute": 10}
